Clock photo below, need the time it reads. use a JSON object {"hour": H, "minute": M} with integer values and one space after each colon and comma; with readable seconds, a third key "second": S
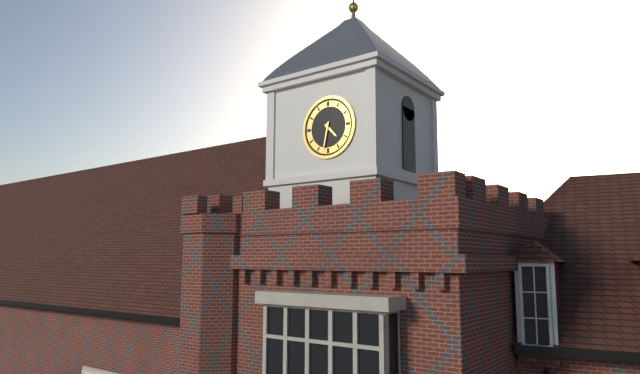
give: {"hour": 4, "minute": 32}
